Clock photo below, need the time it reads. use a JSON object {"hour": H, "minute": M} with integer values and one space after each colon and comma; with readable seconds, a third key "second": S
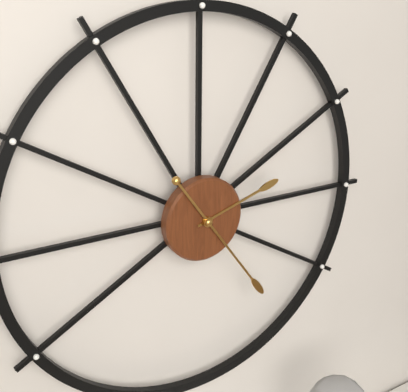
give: {"hour": 2, "minute": 24}
